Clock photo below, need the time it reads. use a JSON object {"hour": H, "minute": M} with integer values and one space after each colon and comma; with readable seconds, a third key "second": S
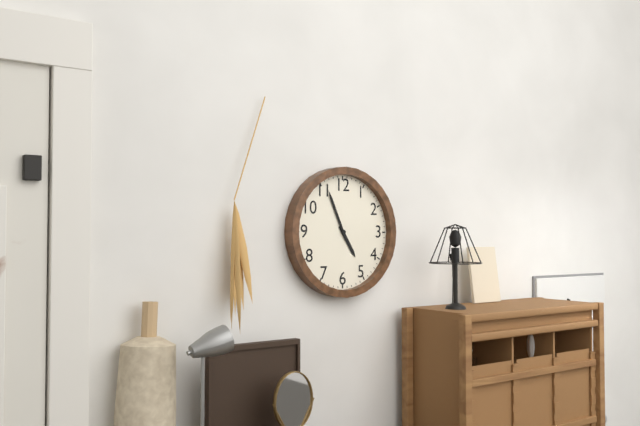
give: {"hour": 4, "minute": 56}
